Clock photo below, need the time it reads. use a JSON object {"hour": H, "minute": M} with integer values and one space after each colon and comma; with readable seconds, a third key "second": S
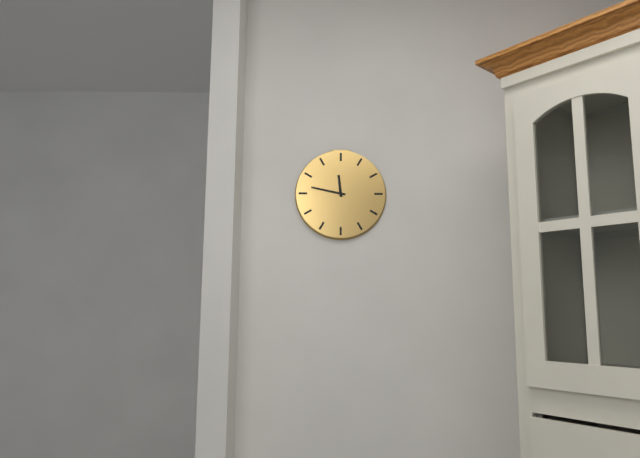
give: {"hour": 11, "minute": 47}
